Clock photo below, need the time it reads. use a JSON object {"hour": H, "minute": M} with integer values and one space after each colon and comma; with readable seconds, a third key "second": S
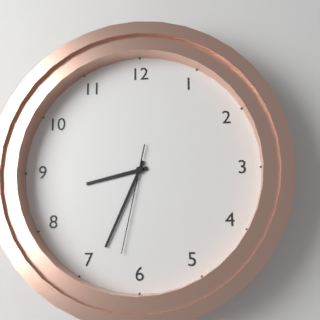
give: {"hour": 8, "minute": 34, "second": 32}
